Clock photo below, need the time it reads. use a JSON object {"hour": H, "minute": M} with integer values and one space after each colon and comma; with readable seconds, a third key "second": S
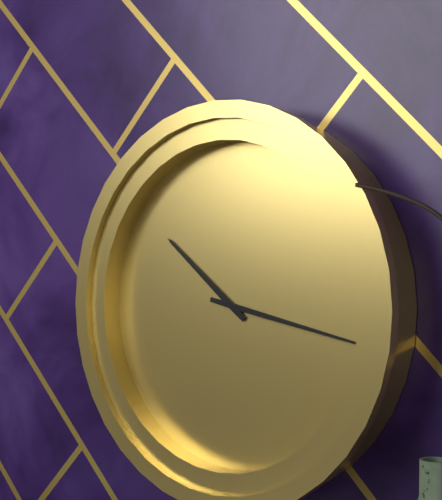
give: {"hour": 10, "minute": 17}
